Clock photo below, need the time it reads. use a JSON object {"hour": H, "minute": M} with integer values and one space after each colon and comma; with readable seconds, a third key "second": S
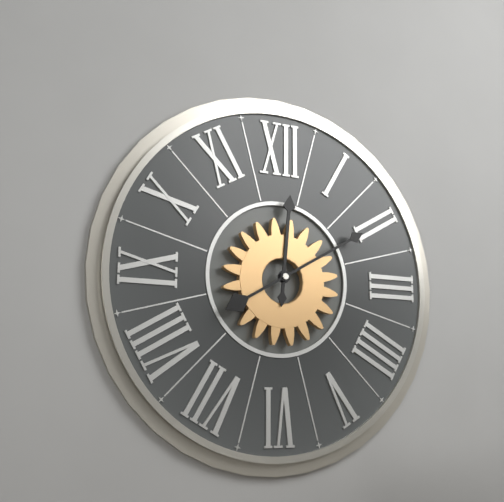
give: {"hour": 12, "minute": 10}
